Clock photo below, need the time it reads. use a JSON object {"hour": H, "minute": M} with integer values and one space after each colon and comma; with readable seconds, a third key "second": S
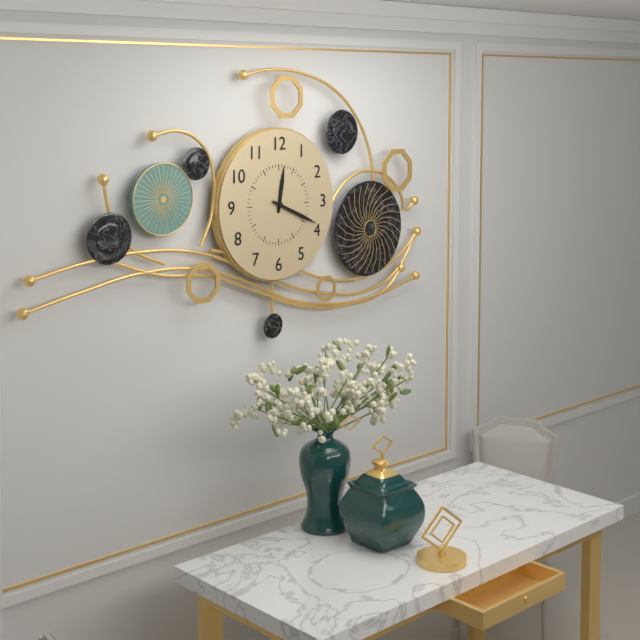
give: {"hour": 12, "minute": 19}
